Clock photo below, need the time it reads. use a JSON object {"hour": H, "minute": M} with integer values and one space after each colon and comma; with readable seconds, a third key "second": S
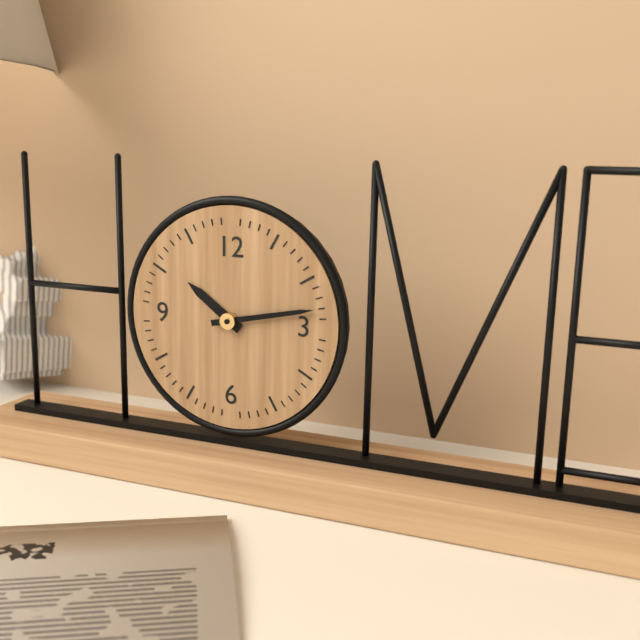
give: {"hour": 10, "minute": 13}
